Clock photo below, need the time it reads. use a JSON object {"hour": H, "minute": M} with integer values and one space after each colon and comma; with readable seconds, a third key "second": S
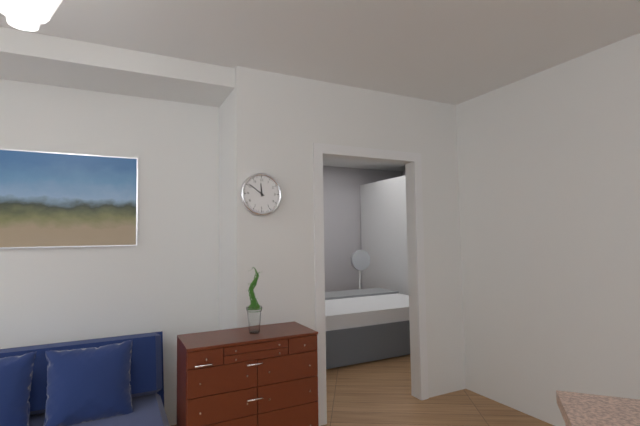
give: {"hour": 11, "minute": 51}
